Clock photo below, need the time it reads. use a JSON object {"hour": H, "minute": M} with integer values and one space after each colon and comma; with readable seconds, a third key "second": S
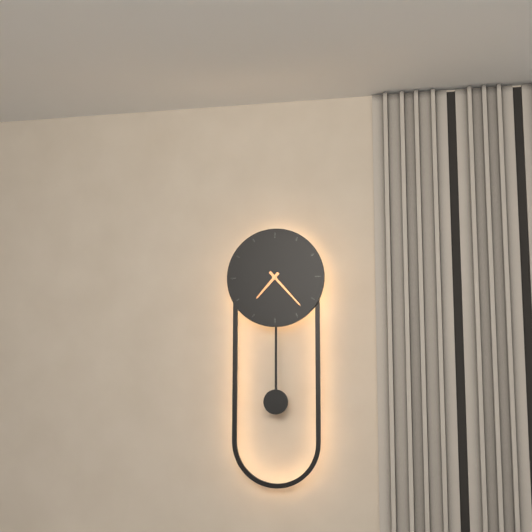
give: {"hour": 7, "minute": 23}
